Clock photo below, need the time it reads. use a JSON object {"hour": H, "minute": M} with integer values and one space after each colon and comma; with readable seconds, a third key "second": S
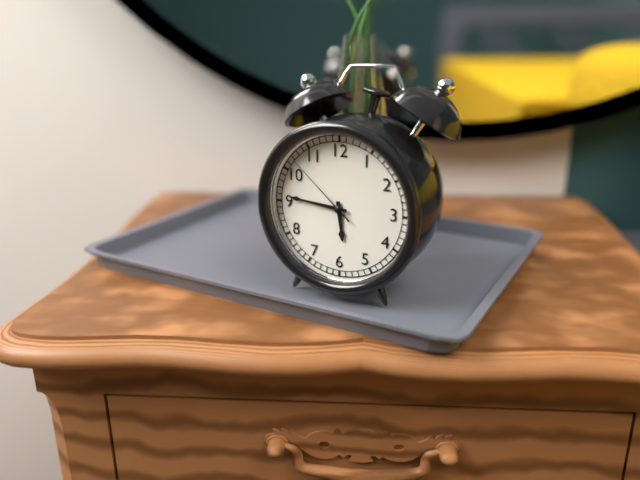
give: {"hour": 5, "minute": 46, "second": 52}
